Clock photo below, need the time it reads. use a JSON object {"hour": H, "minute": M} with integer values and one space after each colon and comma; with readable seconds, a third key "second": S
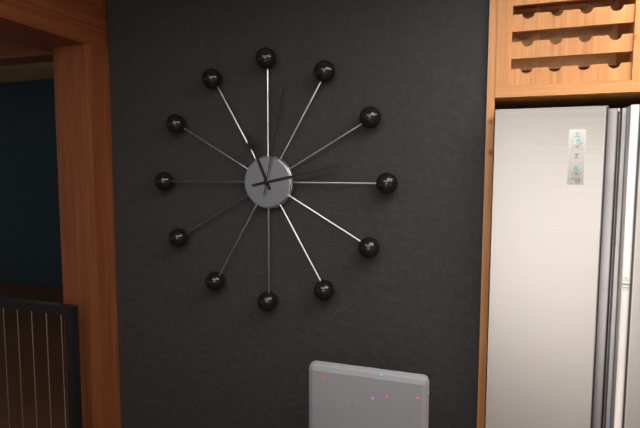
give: {"hour": 11, "minute": 13, "second": 2}
